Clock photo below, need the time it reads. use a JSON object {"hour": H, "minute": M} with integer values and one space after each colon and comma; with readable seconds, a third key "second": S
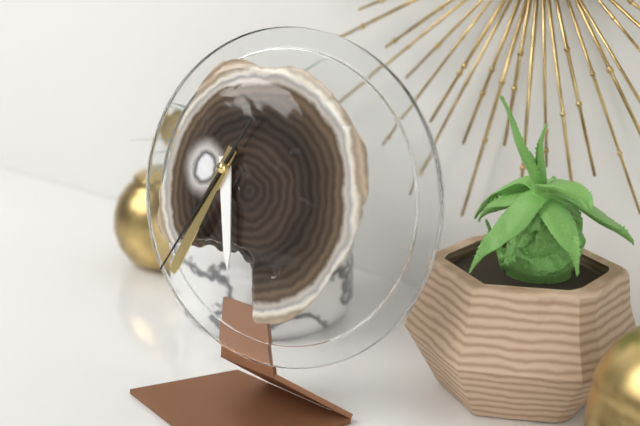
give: {"hour": 5, "minute": 34, "second": 35}
